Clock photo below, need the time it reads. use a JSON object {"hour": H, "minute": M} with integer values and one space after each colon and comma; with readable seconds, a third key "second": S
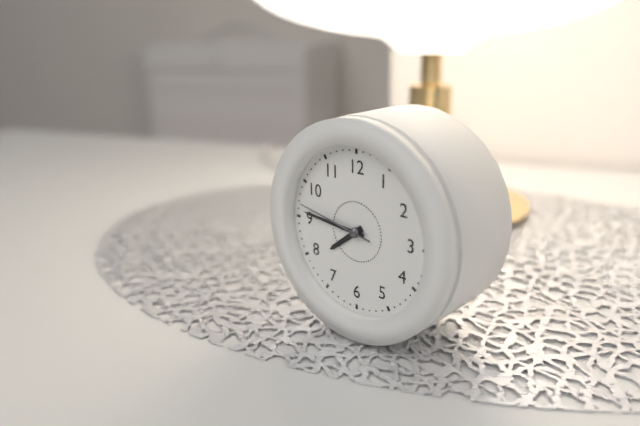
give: {"hour": 7, "minute": 46, "second": 47}
